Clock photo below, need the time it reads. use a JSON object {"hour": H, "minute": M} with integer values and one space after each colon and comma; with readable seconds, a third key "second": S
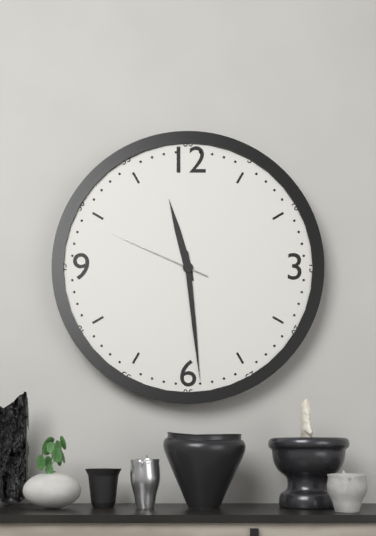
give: {"hour": 11, "minute": 29, "second": 49}
